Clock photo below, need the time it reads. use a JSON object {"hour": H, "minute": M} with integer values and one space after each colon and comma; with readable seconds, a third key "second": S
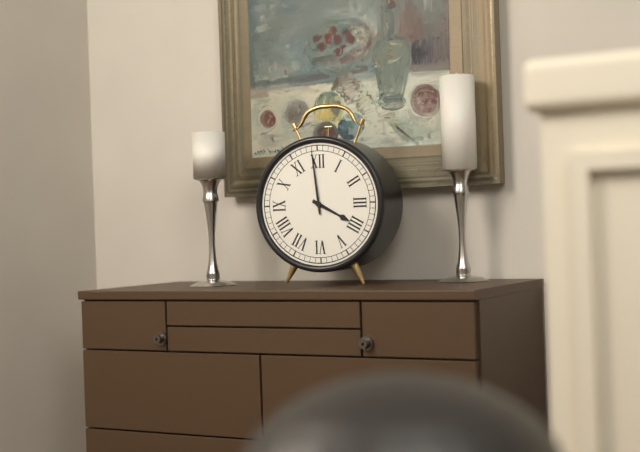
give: {"hour": 3, "minute": 59}
